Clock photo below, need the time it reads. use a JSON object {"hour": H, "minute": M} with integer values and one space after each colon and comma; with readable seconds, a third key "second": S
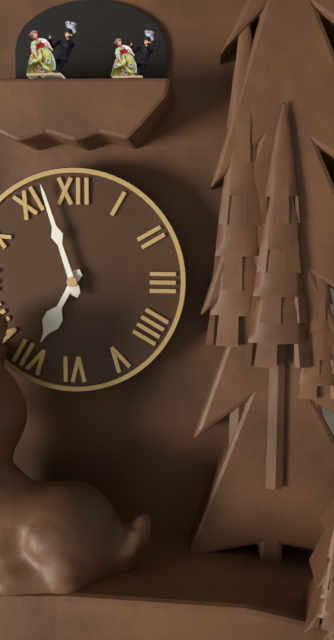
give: {"hour": 6, "minute": 57}
